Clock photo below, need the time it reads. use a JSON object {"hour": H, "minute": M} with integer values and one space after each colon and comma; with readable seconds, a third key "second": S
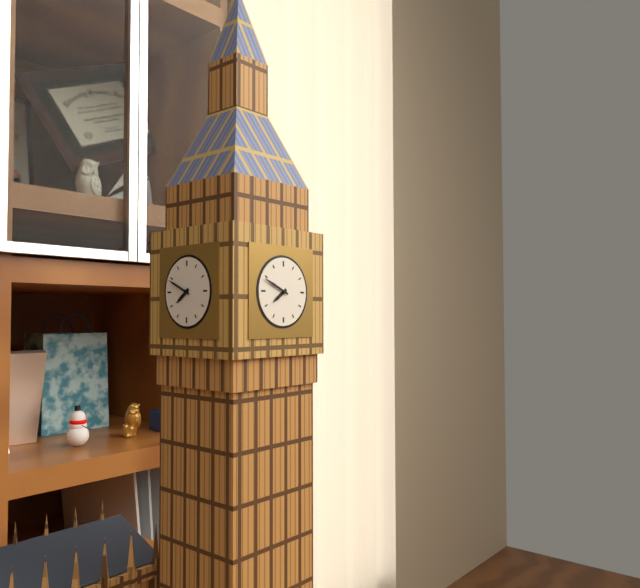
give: {"hour": 7, "minute": 49}
